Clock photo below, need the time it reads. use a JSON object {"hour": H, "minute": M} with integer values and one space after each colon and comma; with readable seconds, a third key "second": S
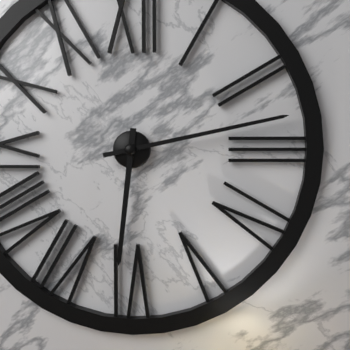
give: {"hour": 6, "minute": 13}
